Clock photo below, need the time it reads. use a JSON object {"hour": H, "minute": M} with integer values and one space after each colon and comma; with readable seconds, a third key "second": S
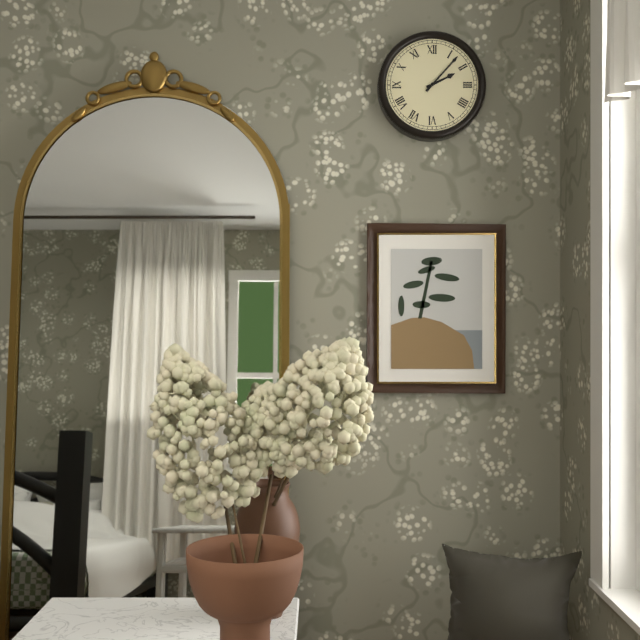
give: {"hour": 2, "minute": 7}
